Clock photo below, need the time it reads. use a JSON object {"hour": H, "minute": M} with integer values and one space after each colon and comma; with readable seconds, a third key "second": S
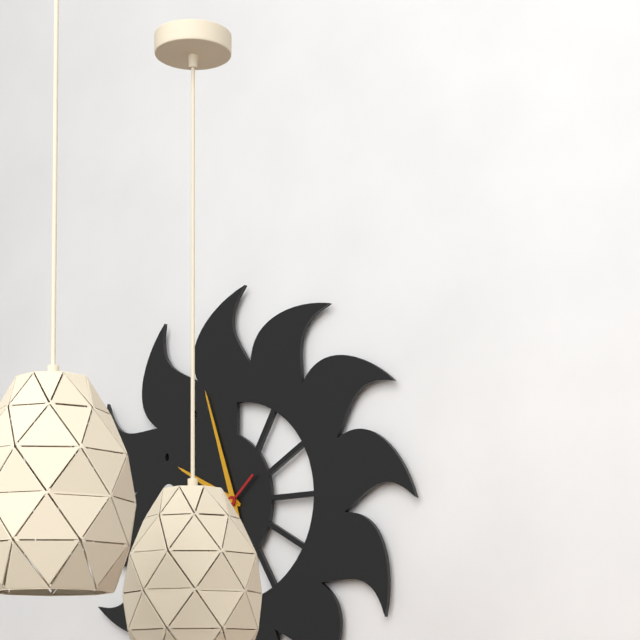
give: {"hour": 9, "minute": 57}
